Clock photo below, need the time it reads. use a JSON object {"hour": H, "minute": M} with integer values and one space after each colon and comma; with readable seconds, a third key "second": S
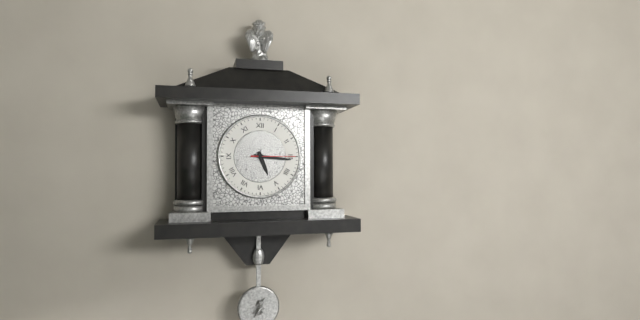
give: {"hour": 5, "minute": 16, "second": 15}
